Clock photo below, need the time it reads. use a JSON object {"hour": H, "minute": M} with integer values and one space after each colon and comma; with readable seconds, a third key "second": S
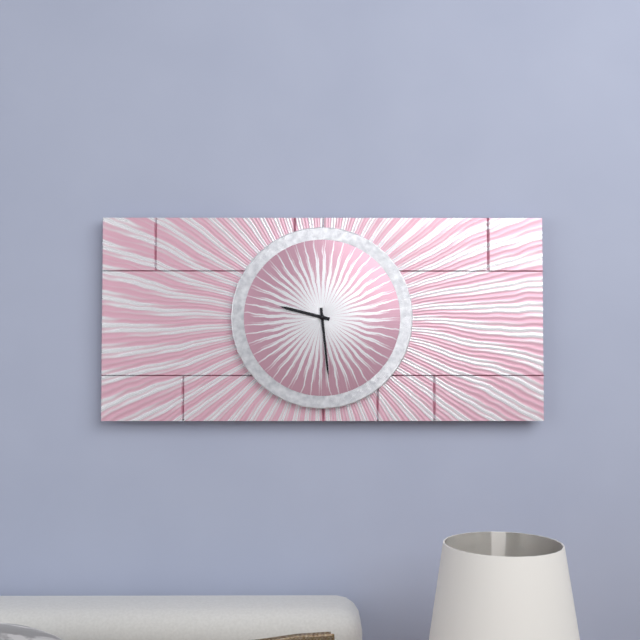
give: {"hour": 9, "minute": 29}
